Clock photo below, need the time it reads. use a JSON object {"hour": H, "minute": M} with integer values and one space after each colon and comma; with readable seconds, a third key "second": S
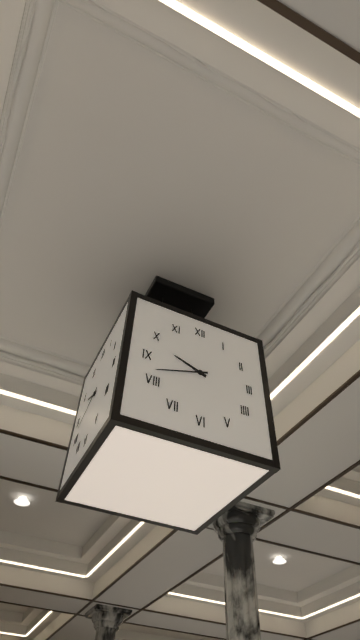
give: {"hour": 9, "minute": 42}
